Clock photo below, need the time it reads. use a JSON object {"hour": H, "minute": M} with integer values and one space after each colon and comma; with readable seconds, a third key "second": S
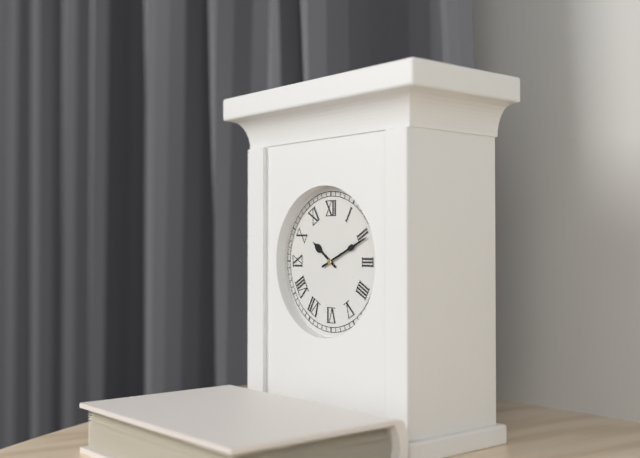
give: {"hour": 10, "minute": 11}
